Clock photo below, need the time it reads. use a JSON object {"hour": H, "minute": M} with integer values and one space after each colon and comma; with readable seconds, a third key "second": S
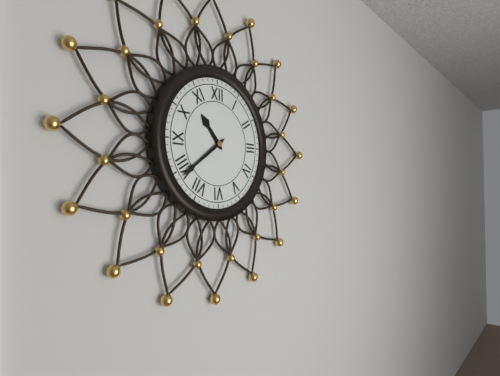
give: {"hour": 10, "minute": 39}
